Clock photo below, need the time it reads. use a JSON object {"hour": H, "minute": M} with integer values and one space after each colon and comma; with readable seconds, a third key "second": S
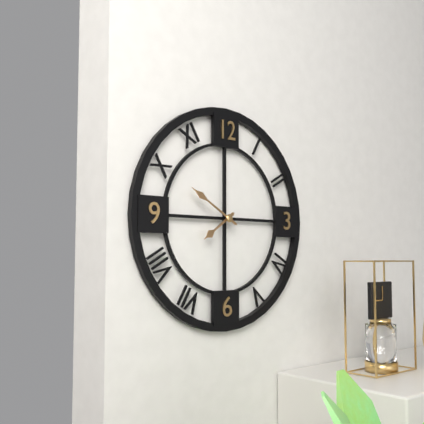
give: {"hour": 7, "minute": 50}
